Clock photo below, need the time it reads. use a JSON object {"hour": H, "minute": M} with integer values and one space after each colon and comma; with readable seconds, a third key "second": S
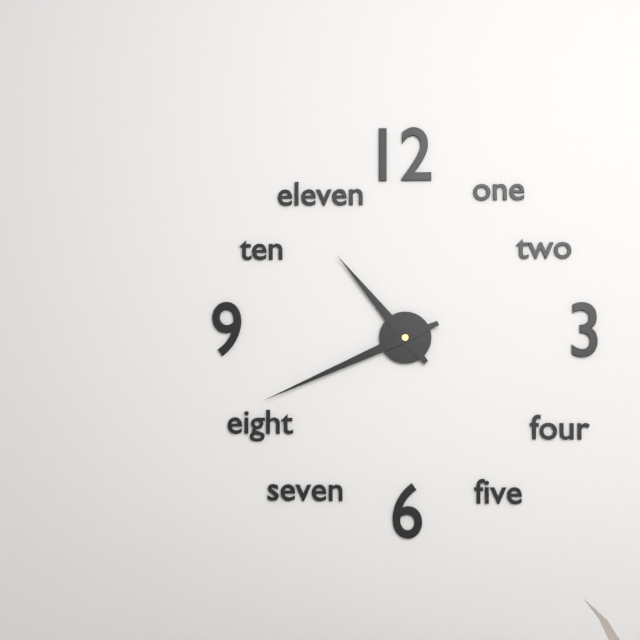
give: {"hour": 10, "minute": 41}
